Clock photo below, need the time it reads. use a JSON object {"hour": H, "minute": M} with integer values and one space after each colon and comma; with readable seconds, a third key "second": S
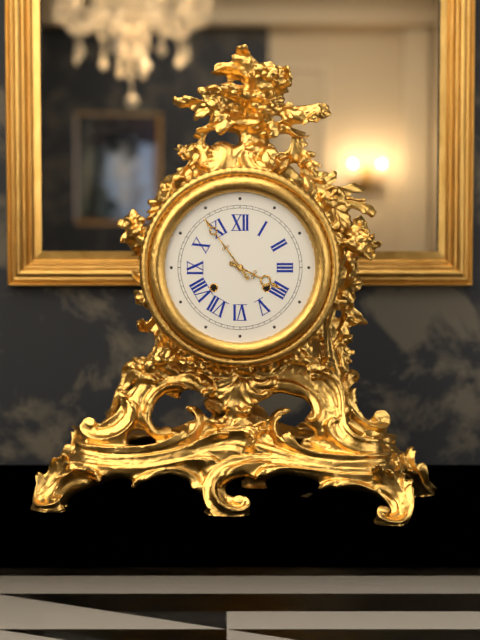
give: {"hour": 3, "minute": 54}
